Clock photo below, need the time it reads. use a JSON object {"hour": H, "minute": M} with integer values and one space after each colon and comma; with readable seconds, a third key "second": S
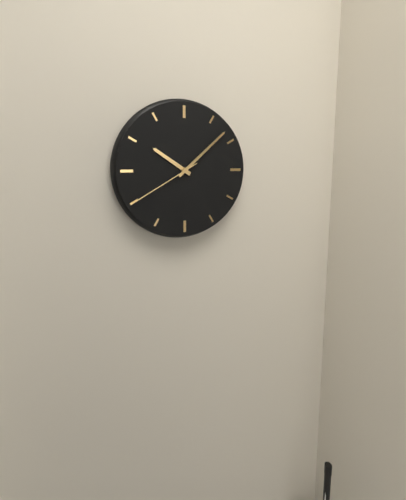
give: {"hour": 10, "minute": 8, "second": 40}
